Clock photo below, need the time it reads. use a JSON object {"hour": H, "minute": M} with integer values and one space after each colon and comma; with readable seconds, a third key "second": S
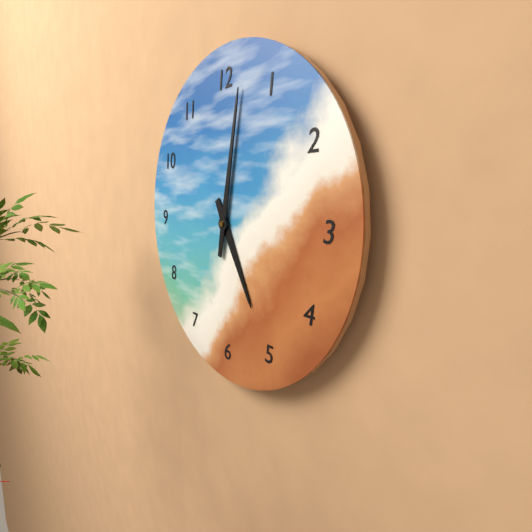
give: {"hour": 5, "minute": 2}
